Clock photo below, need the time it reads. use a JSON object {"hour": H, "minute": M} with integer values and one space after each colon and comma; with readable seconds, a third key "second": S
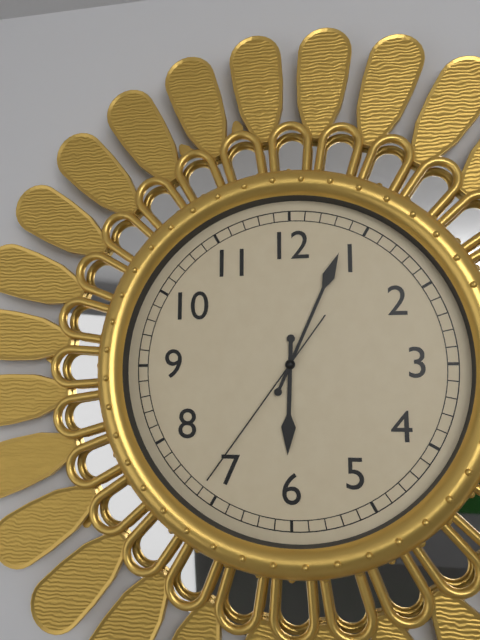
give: {"hour": 6, "minute": 4, "second": 36}
